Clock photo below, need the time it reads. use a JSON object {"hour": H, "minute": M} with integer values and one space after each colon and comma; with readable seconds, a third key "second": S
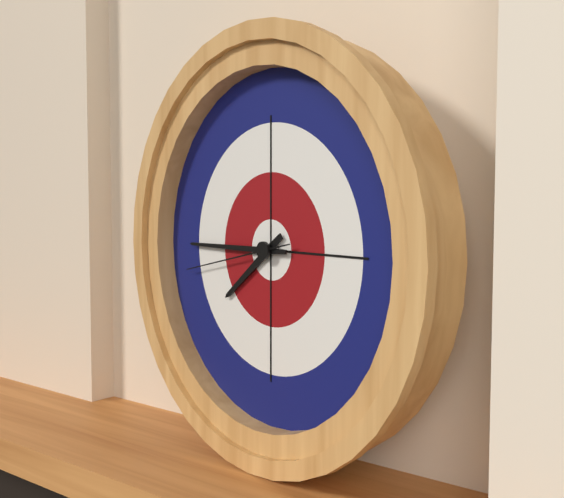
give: {"hour": 7, "minute": 45, "second": 43}
